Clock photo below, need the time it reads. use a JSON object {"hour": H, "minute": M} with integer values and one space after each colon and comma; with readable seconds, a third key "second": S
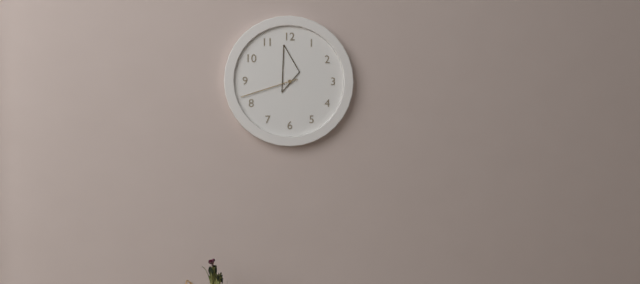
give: {"hour": 11, "minute": 42}
